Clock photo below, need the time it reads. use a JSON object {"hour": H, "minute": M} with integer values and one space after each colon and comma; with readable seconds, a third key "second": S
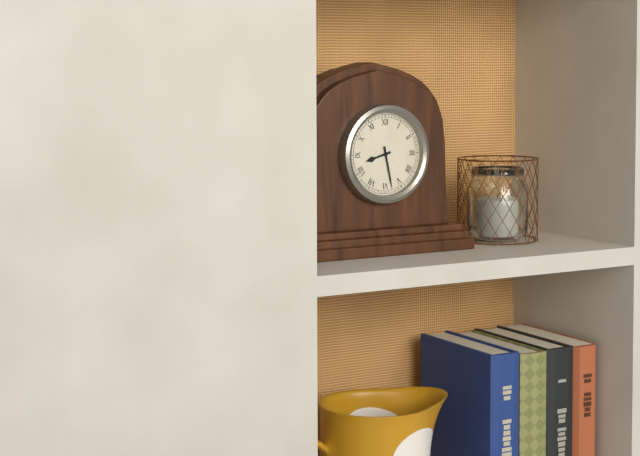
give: {"hour": 8, "minute": 28}
